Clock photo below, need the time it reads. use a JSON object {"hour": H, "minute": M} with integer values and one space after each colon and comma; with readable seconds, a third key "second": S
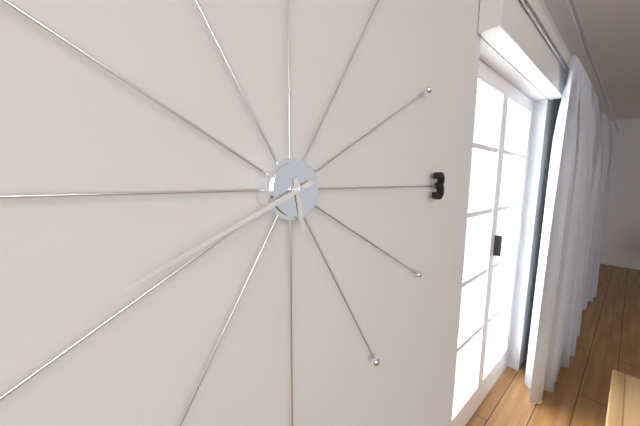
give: {"hour": 5, "minute": 41}
